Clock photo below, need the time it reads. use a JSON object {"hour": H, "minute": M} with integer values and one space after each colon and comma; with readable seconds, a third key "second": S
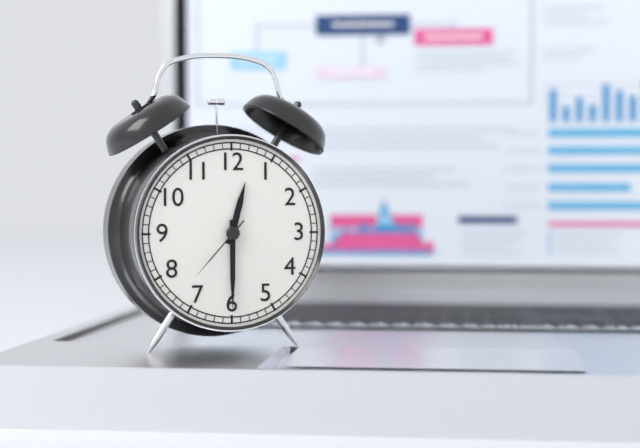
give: {"hour": 12, "minute": 30, "second": 37}
